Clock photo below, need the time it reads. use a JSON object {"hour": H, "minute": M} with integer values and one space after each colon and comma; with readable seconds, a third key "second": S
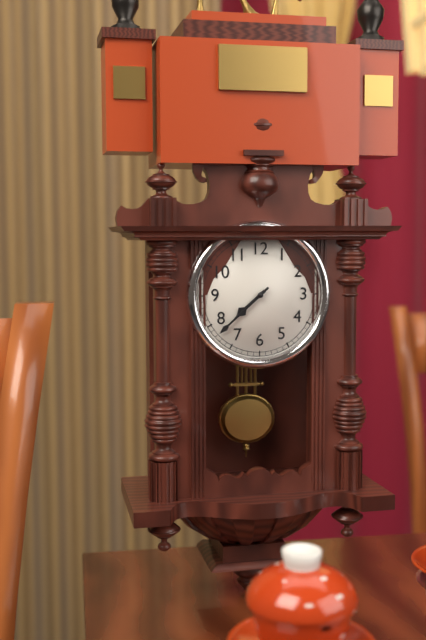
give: {"hour": 7, "minute": 38}
